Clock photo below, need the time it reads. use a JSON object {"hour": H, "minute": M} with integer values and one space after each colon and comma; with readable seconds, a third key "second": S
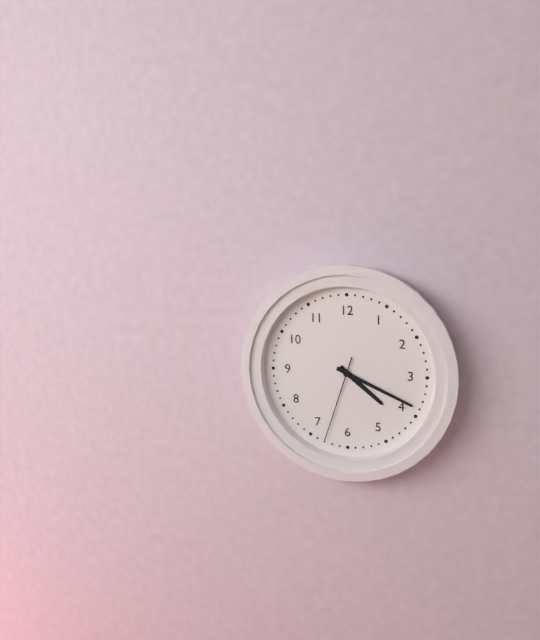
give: {"hour": 4, "minute": 19, "second": 33}
